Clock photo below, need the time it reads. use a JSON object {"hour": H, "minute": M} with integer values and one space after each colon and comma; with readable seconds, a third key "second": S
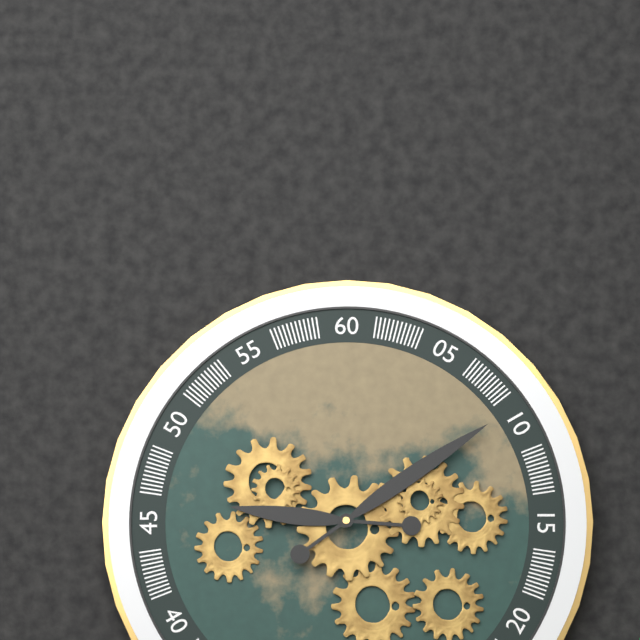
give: {"hour": 9, "minute": 9}
